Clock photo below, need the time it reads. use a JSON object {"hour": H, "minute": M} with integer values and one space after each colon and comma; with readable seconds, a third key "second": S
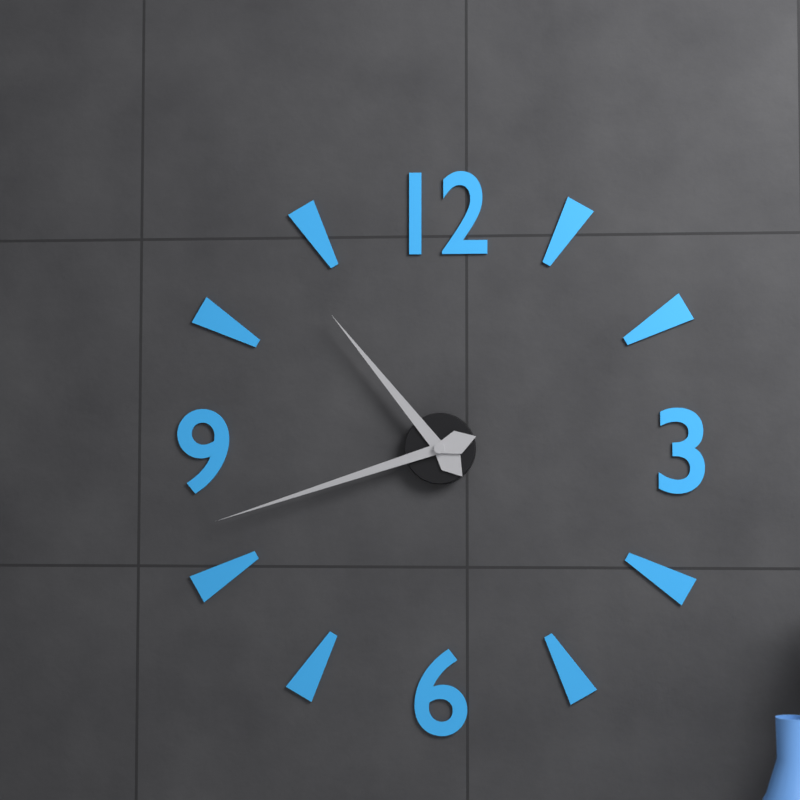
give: {"hour": 10, "minute": 42}
